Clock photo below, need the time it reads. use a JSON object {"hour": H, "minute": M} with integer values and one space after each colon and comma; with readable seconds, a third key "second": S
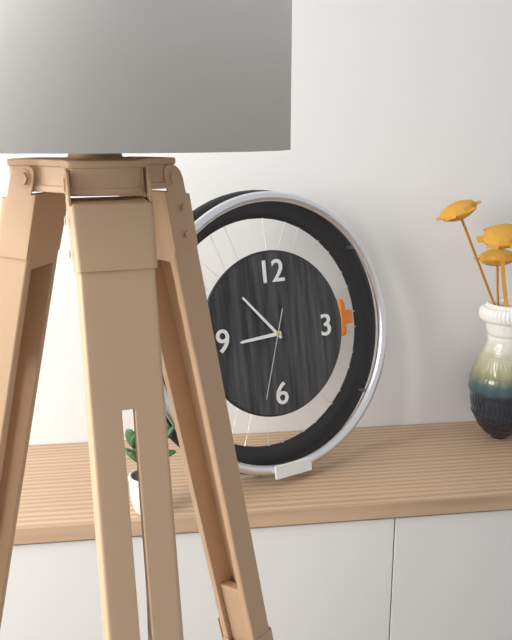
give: {"hour": 8, "minute": 53, "second": 33}
